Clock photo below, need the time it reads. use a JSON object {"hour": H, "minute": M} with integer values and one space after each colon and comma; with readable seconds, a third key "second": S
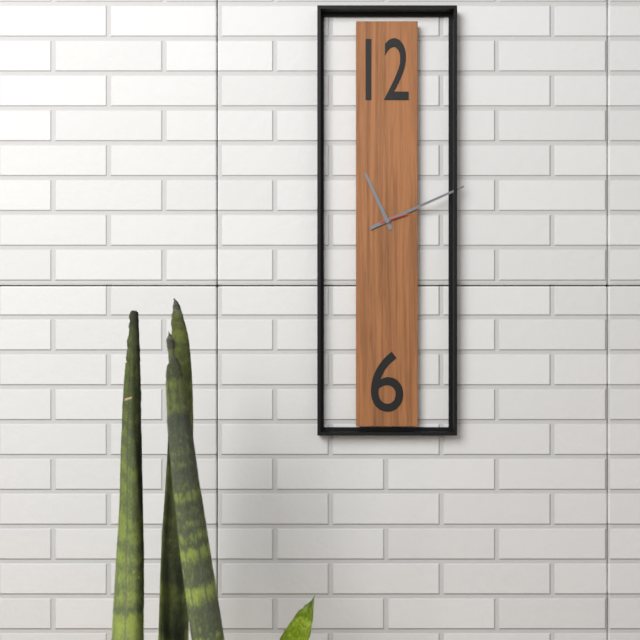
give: {"hour": 11, "minute": 11}
